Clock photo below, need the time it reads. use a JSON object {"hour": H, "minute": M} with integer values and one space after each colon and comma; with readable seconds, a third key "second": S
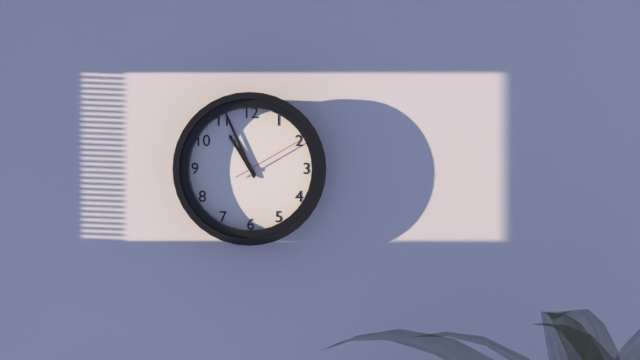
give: {"hour": 10, "minute": 56, "second": 10}
